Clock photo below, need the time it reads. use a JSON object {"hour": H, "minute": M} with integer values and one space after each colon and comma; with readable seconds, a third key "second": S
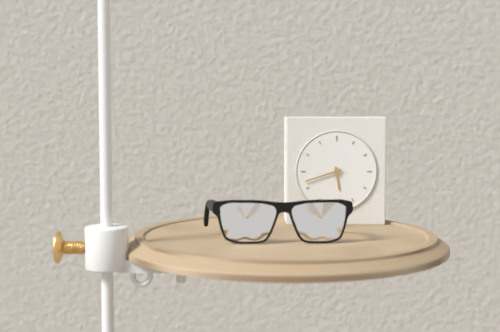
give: {"hour": 5, "minute": 42}
